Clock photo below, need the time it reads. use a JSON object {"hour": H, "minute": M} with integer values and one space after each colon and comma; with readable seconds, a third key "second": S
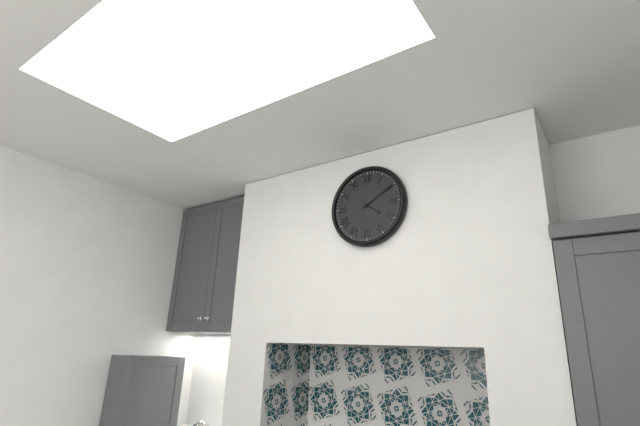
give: {"hour": 4, "minute": 10}
